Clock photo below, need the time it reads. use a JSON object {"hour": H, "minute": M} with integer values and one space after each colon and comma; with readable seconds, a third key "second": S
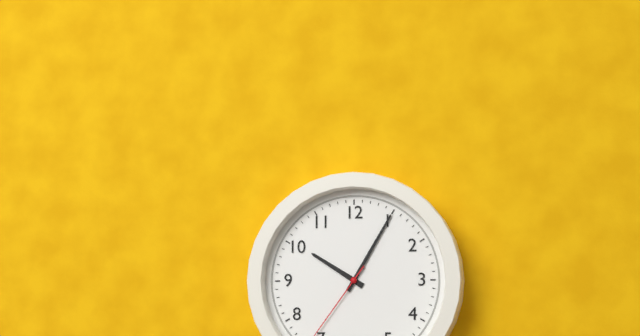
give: {"hour": 10, "minute": 5}
